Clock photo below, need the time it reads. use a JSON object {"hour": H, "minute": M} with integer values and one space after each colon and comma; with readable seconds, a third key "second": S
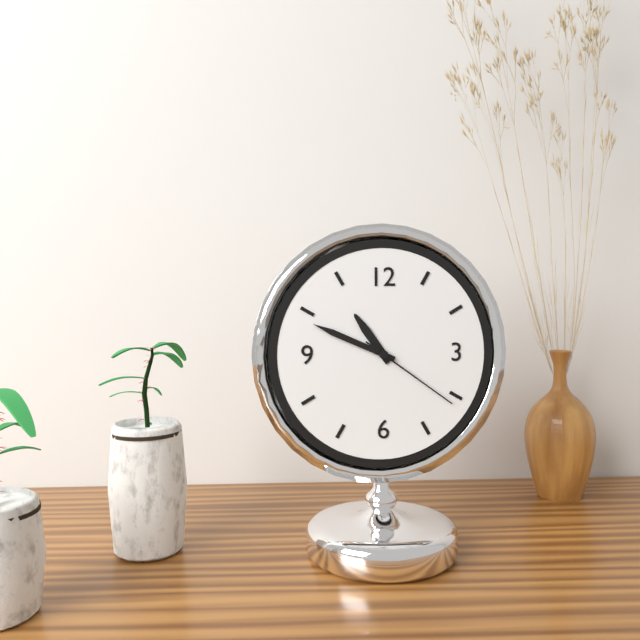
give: {"hour": 10, "minute": 49, "second": 21}
